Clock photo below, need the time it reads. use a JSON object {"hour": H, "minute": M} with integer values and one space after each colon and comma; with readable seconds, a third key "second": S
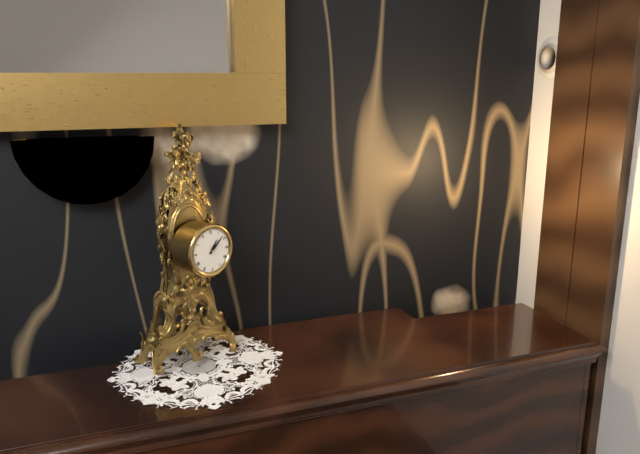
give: {"hour": 1, "minute": 8}
